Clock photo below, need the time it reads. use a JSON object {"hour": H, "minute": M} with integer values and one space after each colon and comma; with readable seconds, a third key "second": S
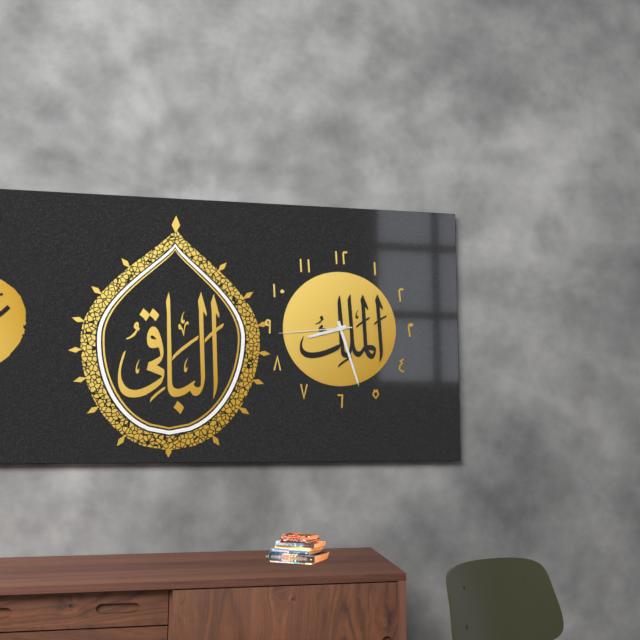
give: {"hour": 8, "minute": 27, "second": 44}
